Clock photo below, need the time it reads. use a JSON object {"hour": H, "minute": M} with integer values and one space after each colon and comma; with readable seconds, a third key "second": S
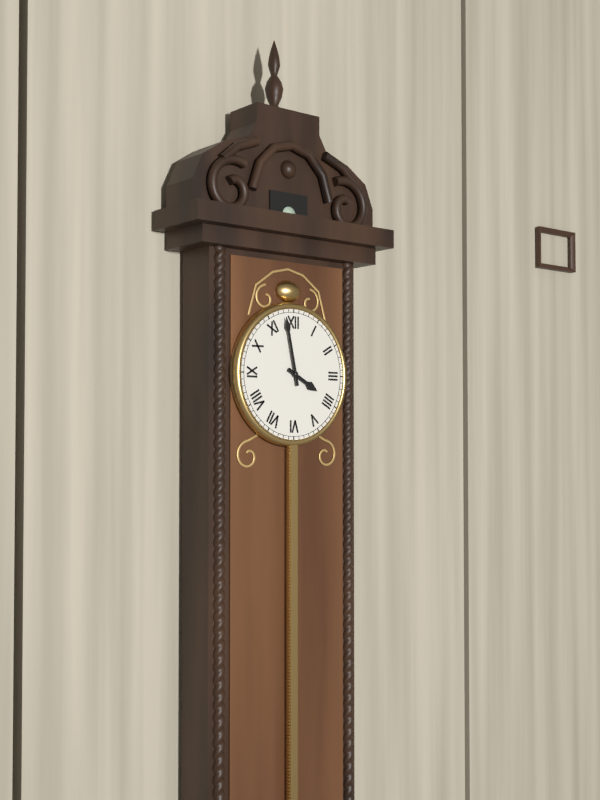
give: {"hour": 3, "minute": 58}
